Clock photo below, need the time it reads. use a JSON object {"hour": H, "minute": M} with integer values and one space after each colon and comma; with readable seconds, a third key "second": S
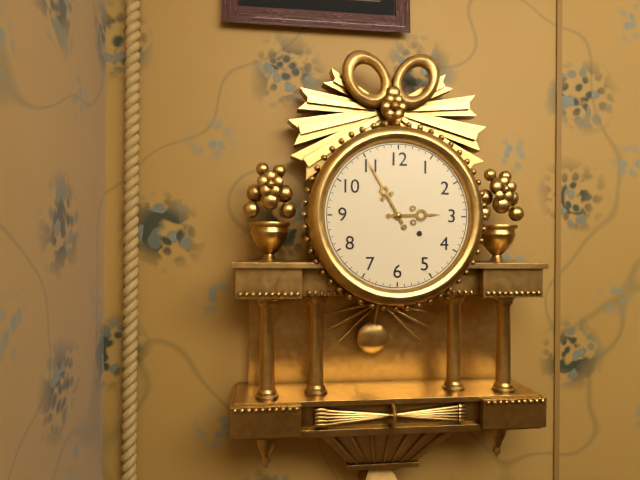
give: {"hour": 2, "minute": 55}
